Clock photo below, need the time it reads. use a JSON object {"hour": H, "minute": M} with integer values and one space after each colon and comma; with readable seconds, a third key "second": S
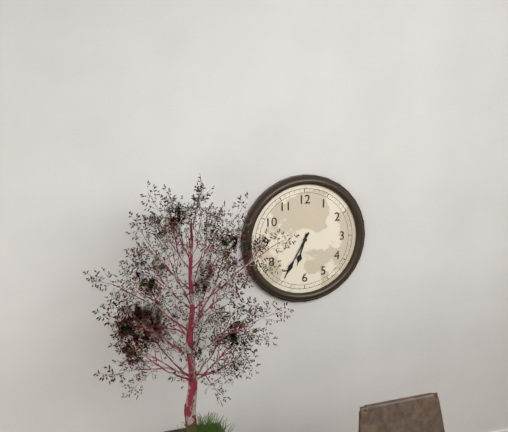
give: {"hour": 6, "minute": 35}
